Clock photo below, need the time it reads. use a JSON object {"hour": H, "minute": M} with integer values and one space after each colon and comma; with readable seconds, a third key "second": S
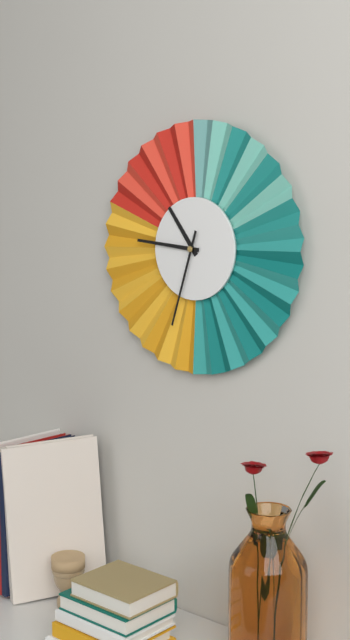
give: {"hour": 10, "minute": 46, "second": 33}
